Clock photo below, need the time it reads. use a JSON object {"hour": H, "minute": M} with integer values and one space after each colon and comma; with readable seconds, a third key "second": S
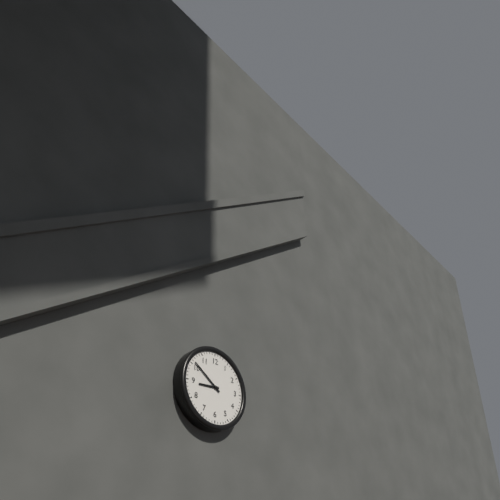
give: {"hour": 8, "minute": 51}
